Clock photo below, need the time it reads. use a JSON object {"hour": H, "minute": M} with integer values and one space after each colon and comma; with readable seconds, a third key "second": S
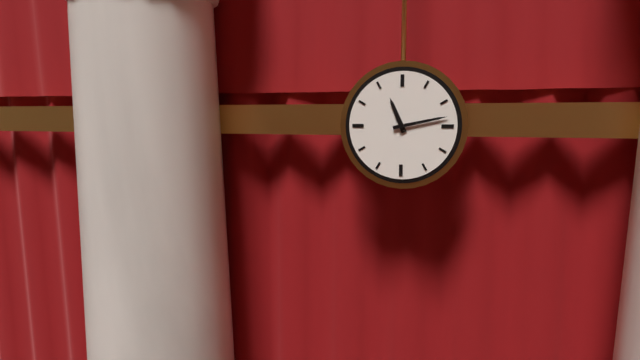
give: {"hour": 11, "minute": 13}
